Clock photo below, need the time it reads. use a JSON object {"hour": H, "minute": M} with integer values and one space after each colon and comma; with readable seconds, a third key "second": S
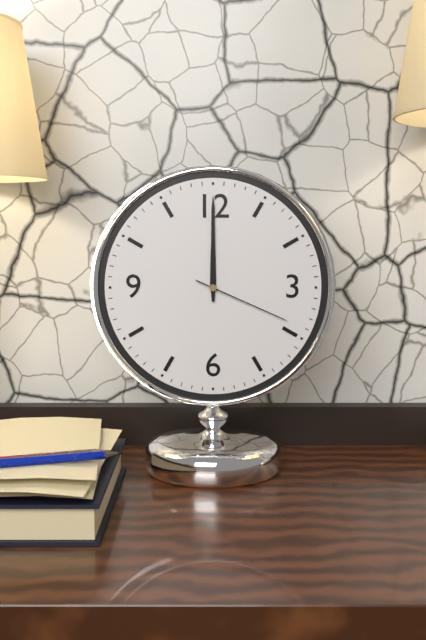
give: {"hour": 12, "minute": 0, "second": 19}
